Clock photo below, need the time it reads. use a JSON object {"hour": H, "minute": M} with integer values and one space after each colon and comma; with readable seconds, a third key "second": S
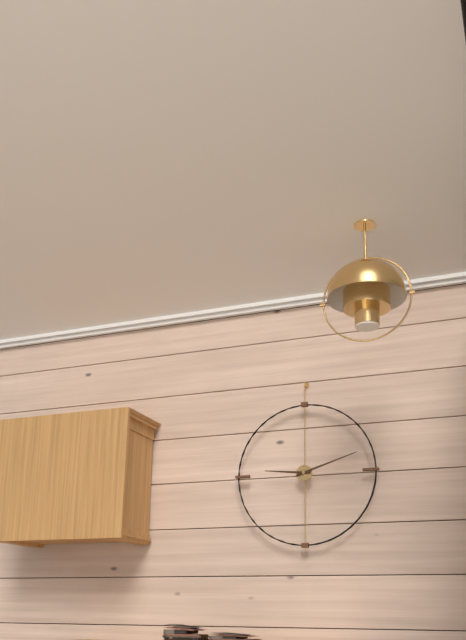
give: {"hour": 9, "minute": 12}
